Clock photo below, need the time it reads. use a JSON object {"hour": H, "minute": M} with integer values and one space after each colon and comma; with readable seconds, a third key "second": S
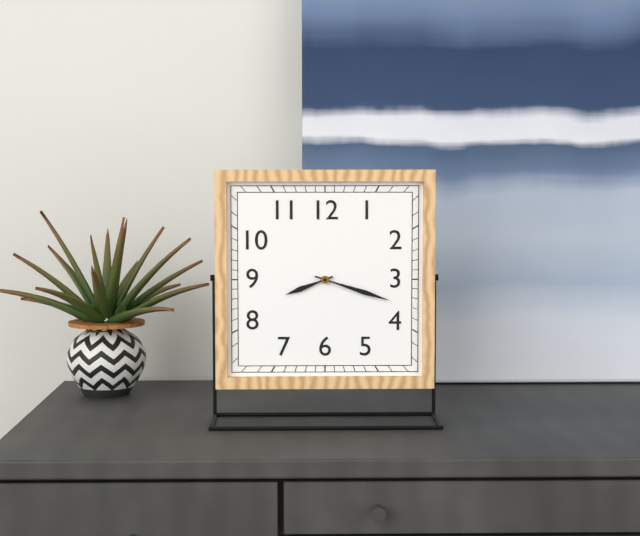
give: {"hour": 8, "minute": 18}
